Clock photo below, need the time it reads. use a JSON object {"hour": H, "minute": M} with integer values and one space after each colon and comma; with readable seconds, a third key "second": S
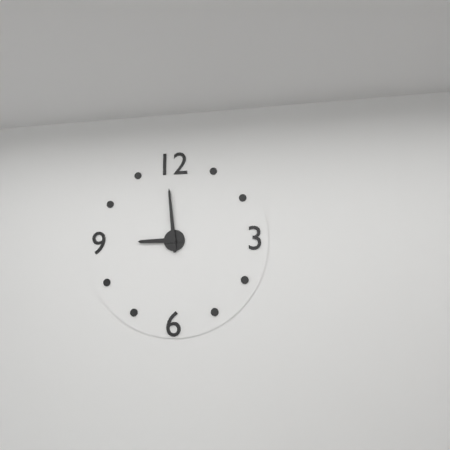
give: {"hour": 8, "minute": 59}
